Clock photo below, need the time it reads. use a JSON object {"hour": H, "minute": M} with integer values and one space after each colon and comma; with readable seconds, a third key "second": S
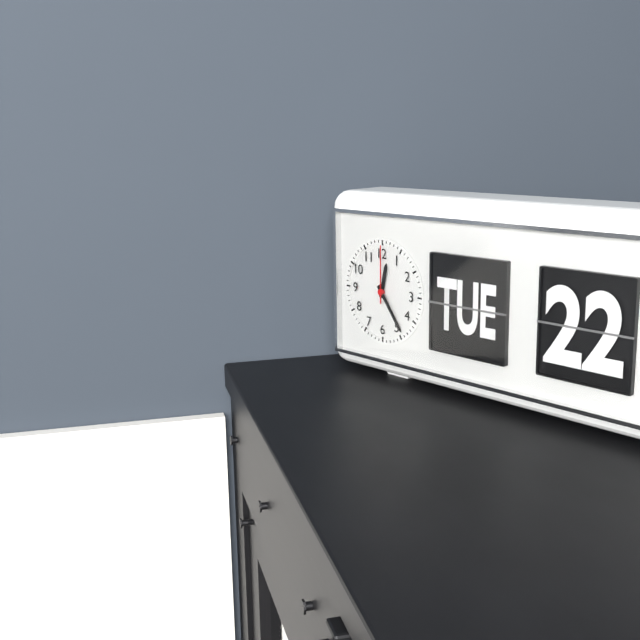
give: {"hour": 12, "minute": 24, "second": 0}
